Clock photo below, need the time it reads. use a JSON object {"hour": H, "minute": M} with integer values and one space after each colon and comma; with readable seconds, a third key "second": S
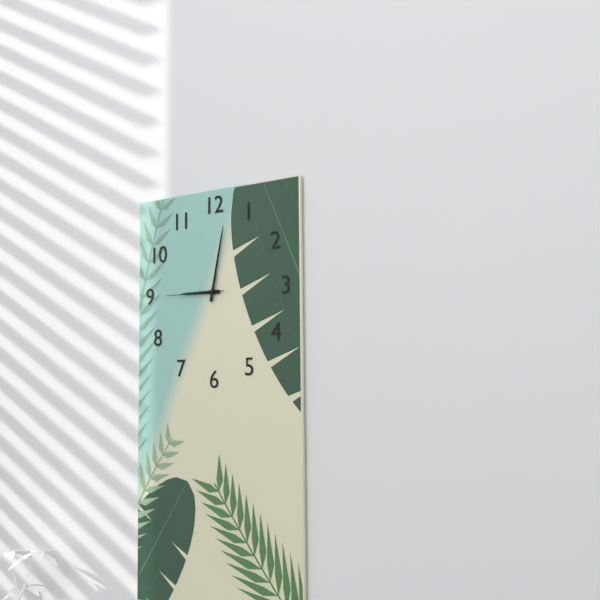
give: {"hour": 9, "minute": 2, "second": 45}
